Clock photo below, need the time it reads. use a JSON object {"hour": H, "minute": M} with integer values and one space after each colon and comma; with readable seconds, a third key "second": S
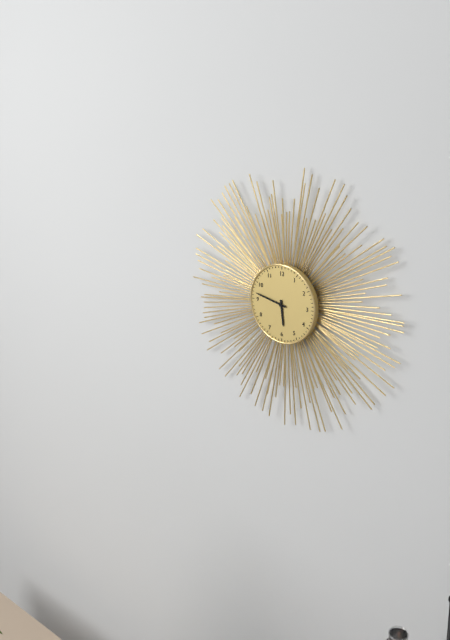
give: {"hour": 5, "minute": 47}
